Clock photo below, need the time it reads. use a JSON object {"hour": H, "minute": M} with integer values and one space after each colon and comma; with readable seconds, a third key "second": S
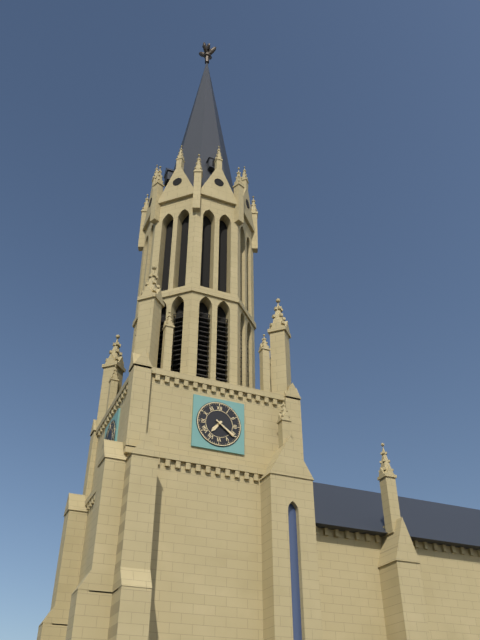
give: {"hour": 7, "minute": 21}
